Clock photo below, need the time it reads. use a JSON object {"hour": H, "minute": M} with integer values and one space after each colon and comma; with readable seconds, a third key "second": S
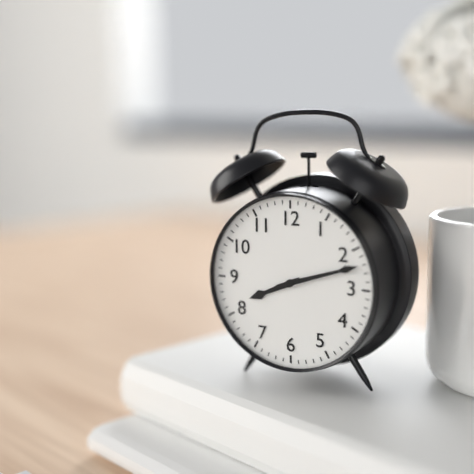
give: {"hour": 8, "minute": 12}
